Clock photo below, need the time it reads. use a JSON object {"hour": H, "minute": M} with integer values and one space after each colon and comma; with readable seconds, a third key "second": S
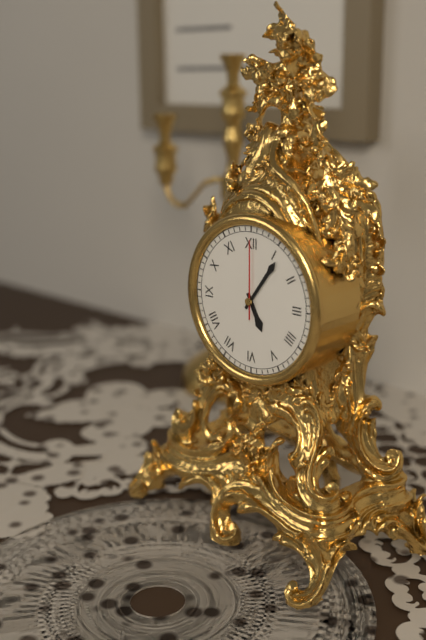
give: {"hour": 5, "minute": 6, "second": 0}
